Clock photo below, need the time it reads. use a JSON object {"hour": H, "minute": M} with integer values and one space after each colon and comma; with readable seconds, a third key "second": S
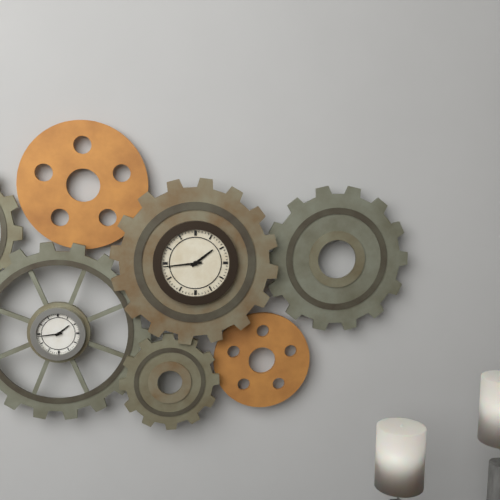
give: {"hour": 1, "minute": 44}
